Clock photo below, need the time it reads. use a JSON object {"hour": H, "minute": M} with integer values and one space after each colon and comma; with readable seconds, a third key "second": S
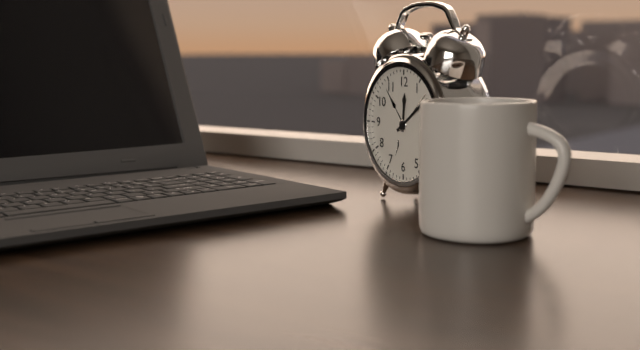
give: {"hour": 12, "minute": 9}
